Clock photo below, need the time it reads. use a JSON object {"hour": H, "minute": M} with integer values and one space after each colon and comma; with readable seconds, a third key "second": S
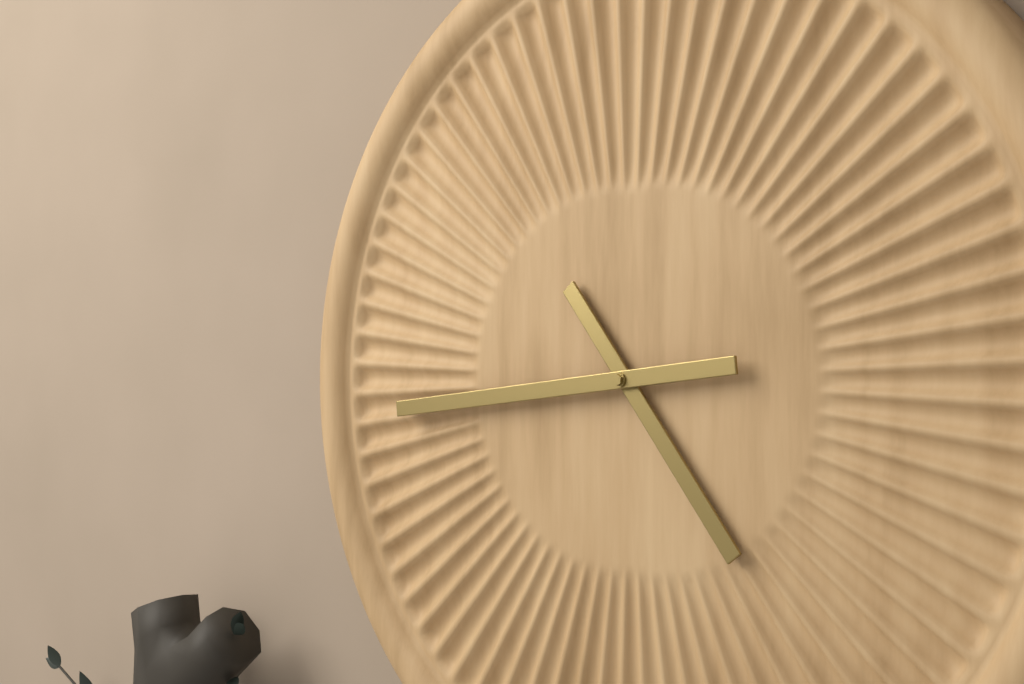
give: {"hour": 4, "minute": 44}
